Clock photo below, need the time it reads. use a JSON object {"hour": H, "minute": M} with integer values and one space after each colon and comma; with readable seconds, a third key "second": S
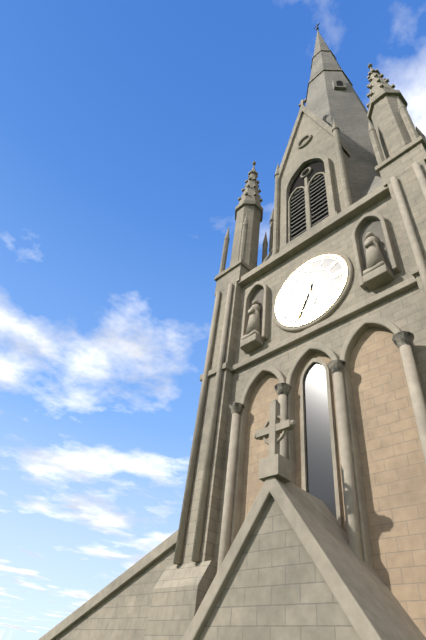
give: {"hour": 5, "minute": 34}
